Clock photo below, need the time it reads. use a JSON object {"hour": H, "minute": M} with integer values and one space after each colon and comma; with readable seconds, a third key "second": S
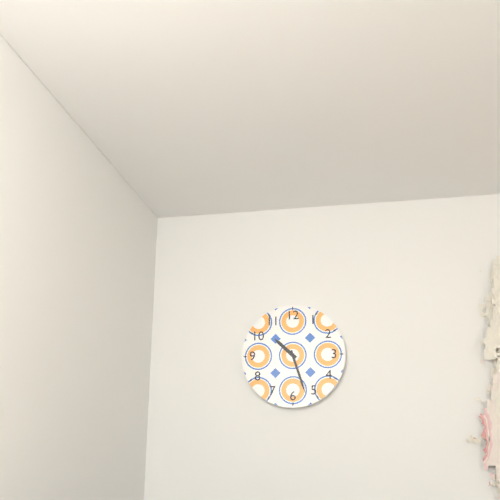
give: {"hour": 10, "minute": 27}
